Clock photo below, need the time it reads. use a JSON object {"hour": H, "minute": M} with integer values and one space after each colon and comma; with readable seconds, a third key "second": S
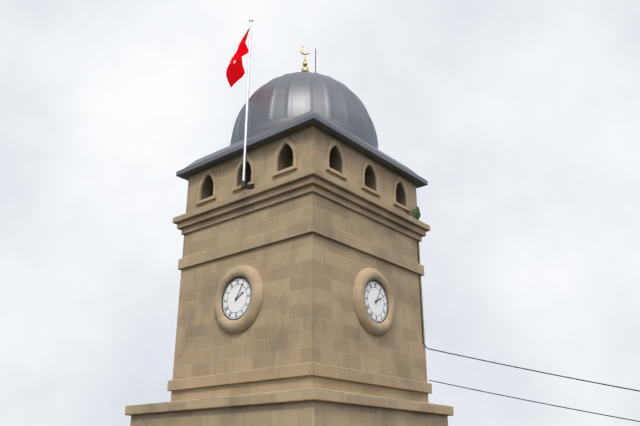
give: {"hour": 2, "minute": 5}
